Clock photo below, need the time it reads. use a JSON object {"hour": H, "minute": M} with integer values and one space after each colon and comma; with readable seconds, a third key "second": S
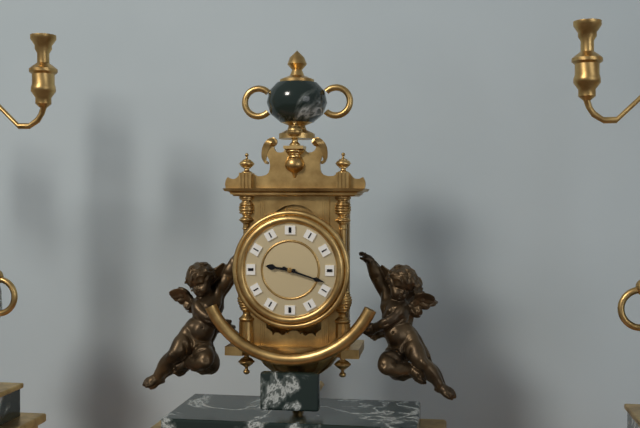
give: {"hour": 9, "minute": 18}
